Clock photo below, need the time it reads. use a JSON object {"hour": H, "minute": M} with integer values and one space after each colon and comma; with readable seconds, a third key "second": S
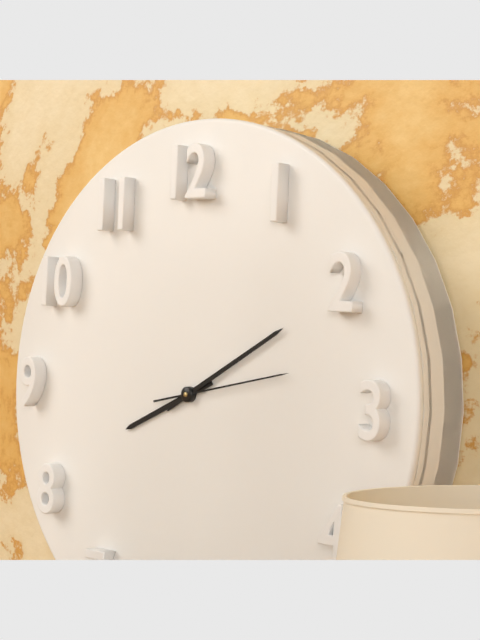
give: {"hour": 8, "minute": 10, "second": 13}
